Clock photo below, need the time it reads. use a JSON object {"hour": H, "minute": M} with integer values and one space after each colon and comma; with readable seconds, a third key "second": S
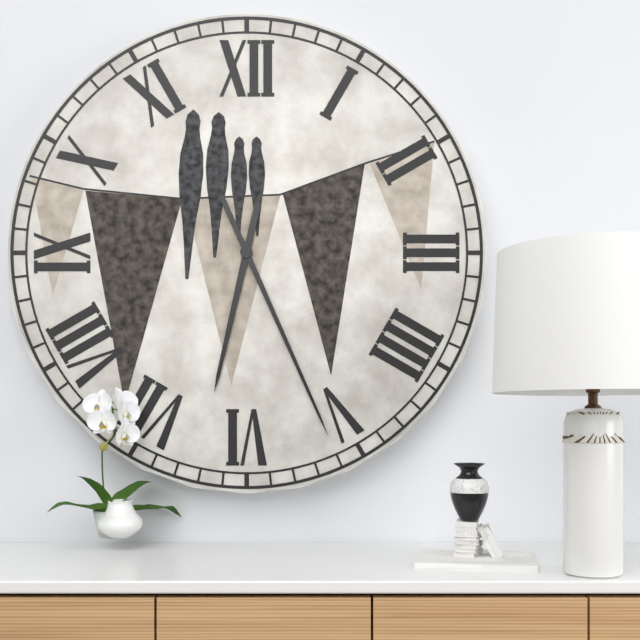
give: {"hour": 6, "minute": 26}
